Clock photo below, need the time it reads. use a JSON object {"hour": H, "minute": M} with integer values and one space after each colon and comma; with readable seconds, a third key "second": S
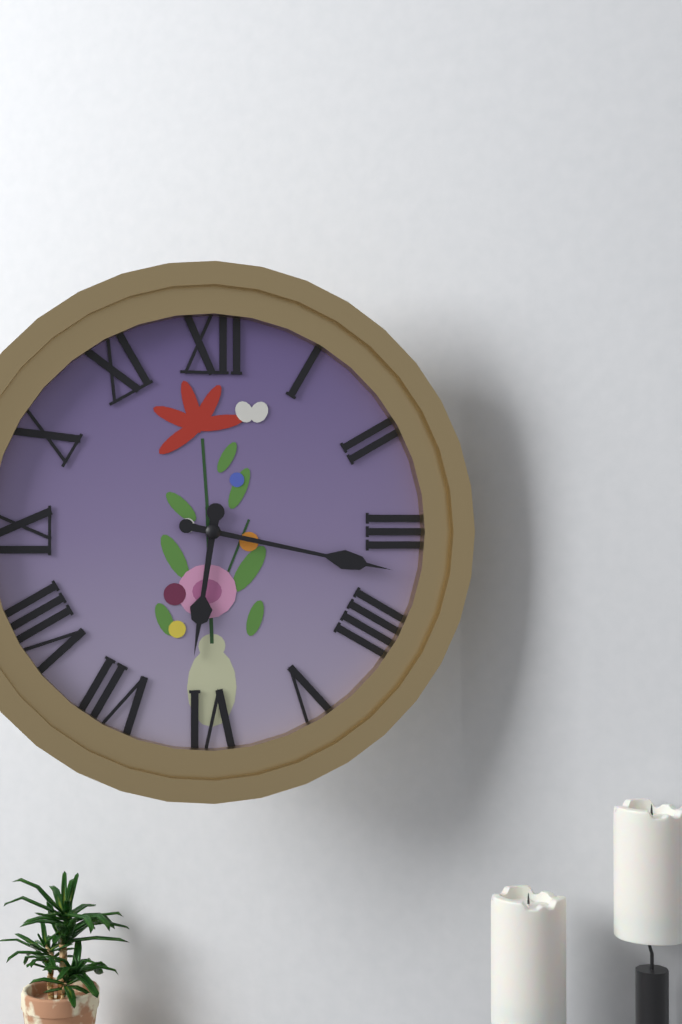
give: {"hour": 6, "minute": 17}
